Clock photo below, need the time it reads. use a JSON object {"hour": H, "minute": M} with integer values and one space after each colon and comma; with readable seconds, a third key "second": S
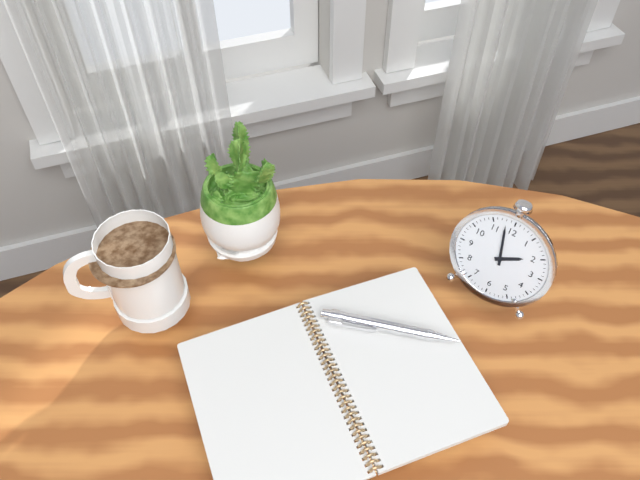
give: {"hour": 1, "minute": 58}
